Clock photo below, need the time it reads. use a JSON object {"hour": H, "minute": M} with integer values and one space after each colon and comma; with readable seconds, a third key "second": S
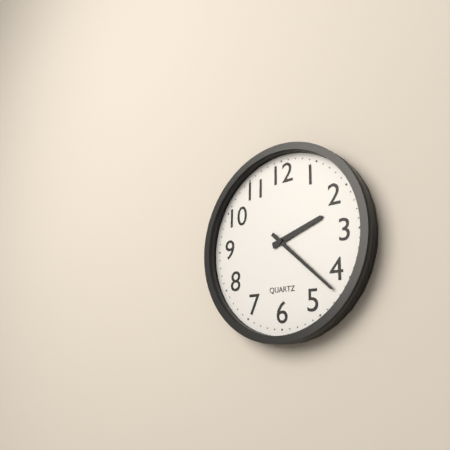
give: {"hour": 2, "minute": 22}
